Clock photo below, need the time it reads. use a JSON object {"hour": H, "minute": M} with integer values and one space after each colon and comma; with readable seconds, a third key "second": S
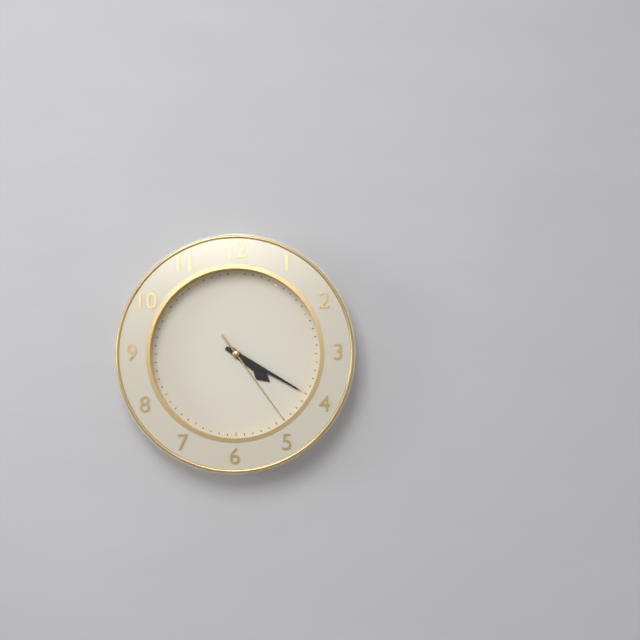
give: {"hour": 4, "minute": 20, "second": 24}
